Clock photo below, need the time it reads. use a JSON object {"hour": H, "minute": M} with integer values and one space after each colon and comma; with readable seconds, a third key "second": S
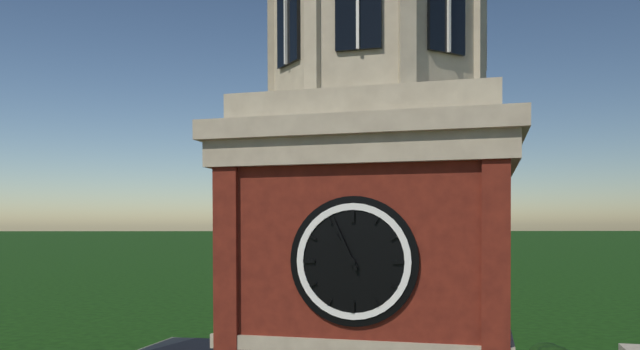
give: {"hour": 10, "minute": 56}
